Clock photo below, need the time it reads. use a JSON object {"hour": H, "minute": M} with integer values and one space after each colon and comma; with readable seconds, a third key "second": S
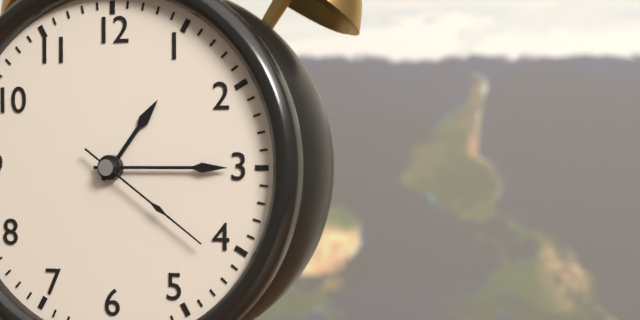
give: {"hour": 1, "minute": 15, "second": 21}
